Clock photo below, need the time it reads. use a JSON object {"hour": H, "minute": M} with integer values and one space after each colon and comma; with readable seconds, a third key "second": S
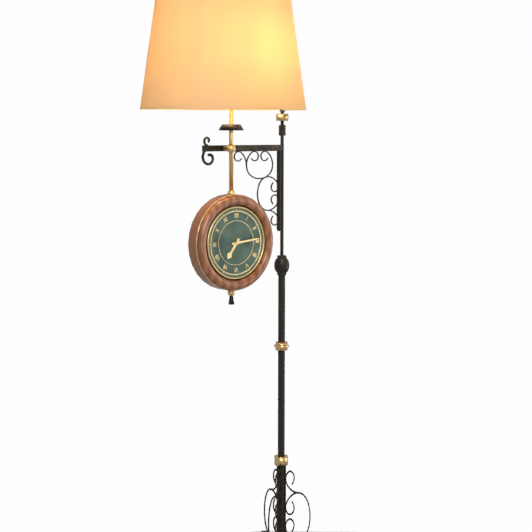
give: {"hour": 7, "minute": 14}
